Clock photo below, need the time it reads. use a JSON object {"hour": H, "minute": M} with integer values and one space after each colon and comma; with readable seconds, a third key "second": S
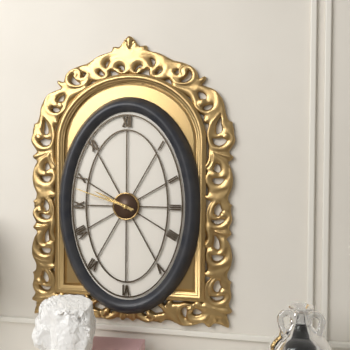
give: {"hour": 9, "minute": 48}
